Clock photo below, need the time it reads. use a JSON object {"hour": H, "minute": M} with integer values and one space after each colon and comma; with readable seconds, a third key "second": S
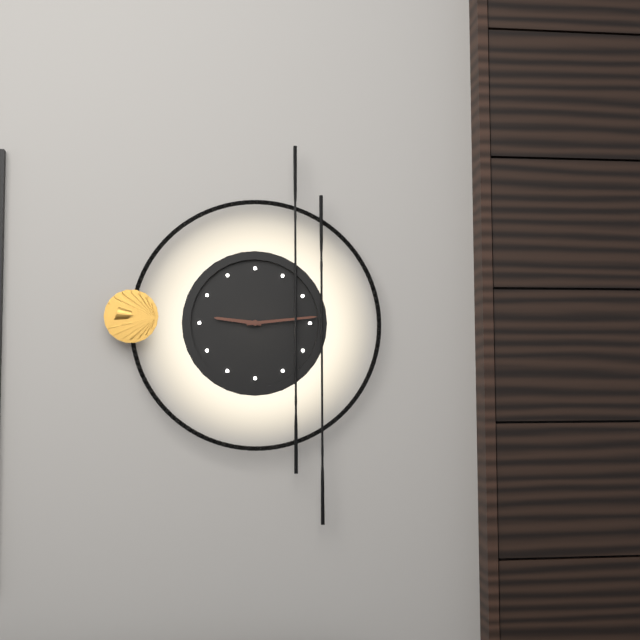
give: {"hour": 9, "minute": 14}
